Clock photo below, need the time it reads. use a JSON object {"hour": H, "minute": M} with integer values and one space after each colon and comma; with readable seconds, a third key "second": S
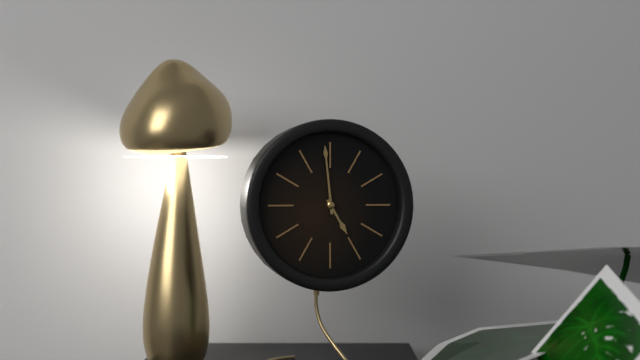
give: {"hour": 4, "minute": 59}
